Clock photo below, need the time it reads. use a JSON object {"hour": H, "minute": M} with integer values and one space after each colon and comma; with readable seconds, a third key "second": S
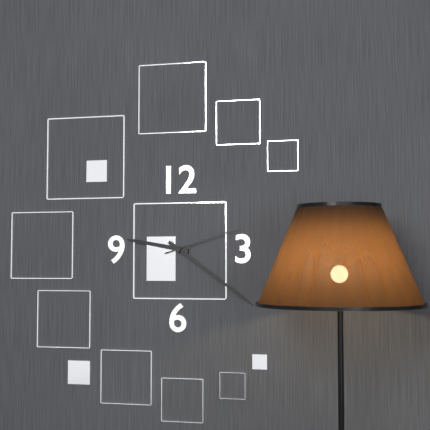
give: {"hour": 9, "minute": 21, "second": 12}
